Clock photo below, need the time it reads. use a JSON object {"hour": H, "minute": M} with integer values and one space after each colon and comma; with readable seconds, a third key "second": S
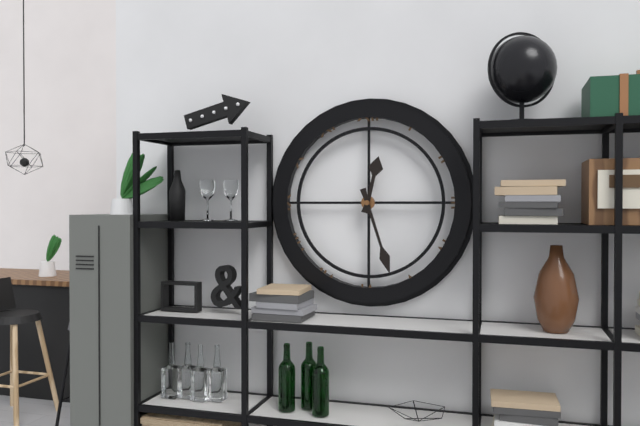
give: {"hour": 12, "minute": 27}
